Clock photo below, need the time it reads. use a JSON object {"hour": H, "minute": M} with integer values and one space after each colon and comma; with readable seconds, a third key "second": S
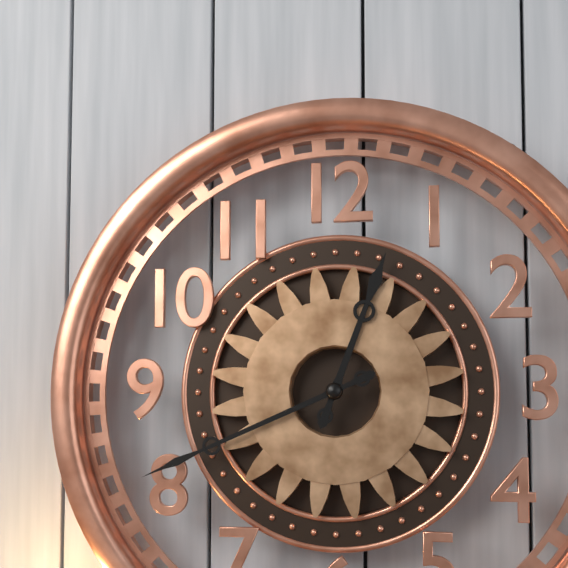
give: {"hour": 12, "minute": 41}
